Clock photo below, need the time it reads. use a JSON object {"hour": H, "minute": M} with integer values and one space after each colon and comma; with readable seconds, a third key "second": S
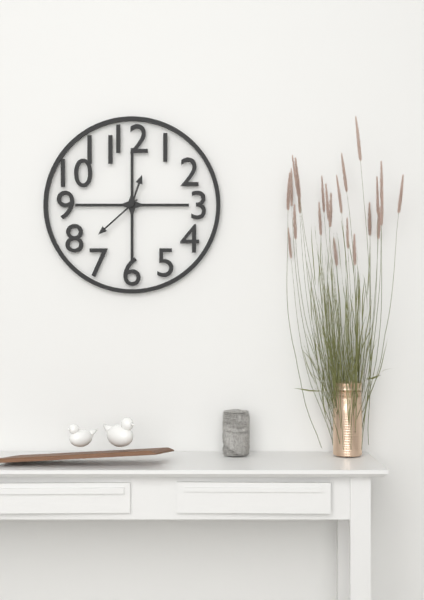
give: {"hour": 12, "minute": 38}
